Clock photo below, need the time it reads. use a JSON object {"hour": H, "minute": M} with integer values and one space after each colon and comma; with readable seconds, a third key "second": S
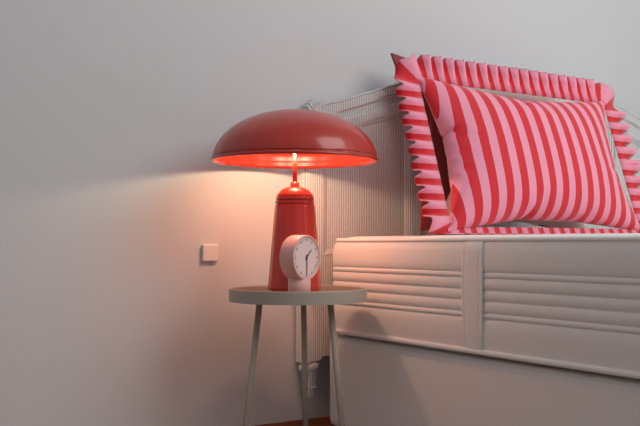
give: {"hour": 1, "minute": 30}
